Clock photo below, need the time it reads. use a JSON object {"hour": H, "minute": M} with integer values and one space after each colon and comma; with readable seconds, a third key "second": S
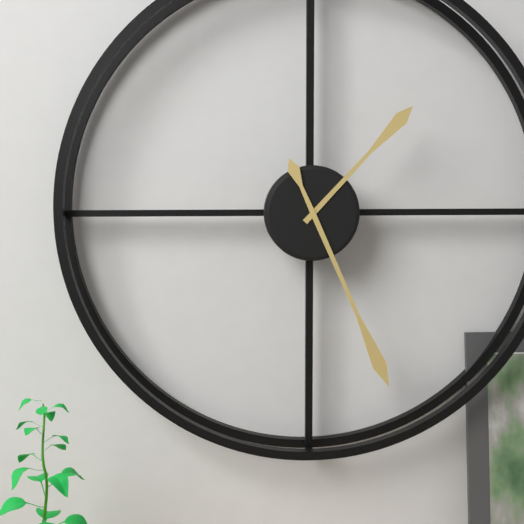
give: {"hour": 1, "minute": 26}
